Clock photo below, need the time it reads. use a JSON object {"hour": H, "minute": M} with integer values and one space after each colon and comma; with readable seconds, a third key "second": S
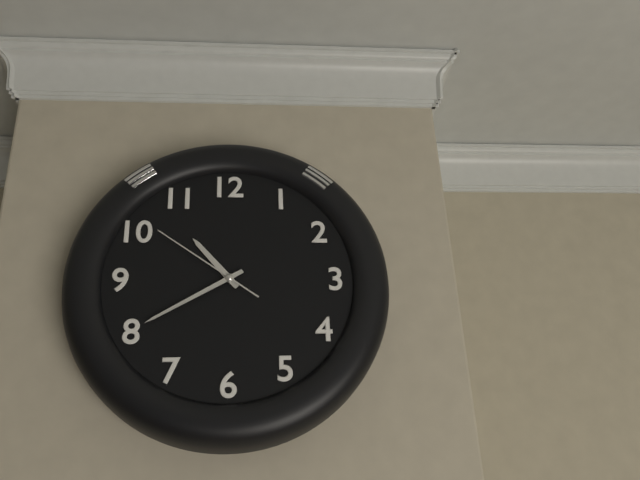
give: {"hour": 10, "minute": 40, "second": 51}
